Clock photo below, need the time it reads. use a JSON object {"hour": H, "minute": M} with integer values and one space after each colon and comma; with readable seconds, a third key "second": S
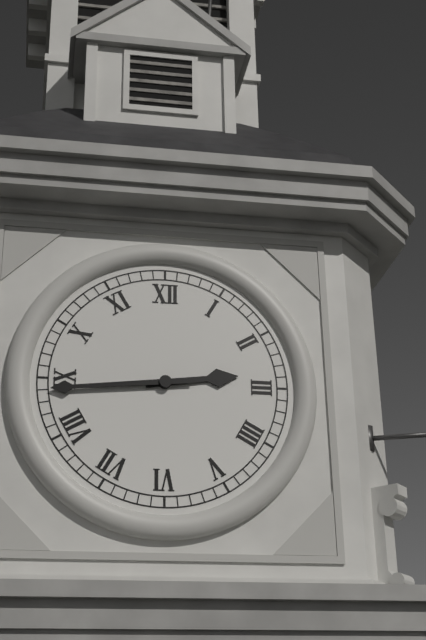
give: {"hour": 2, "minute": 44}
